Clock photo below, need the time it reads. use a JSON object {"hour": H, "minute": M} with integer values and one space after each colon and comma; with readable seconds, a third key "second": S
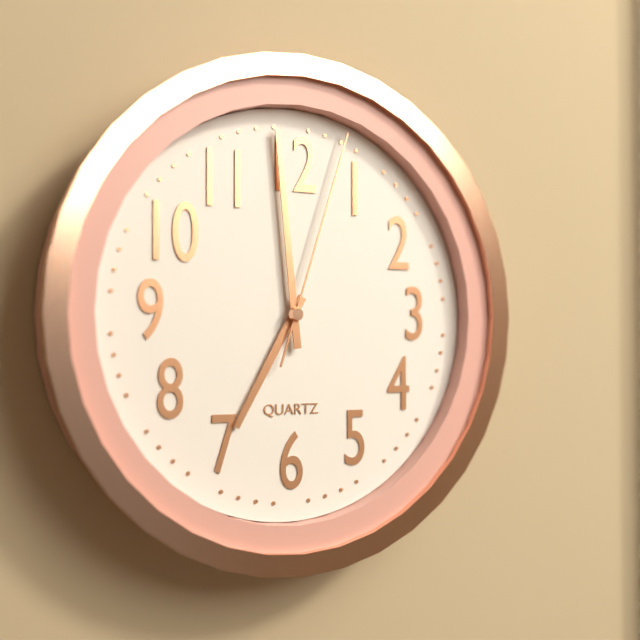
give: {"hour": 6, "minute": 59, "second": 3}
